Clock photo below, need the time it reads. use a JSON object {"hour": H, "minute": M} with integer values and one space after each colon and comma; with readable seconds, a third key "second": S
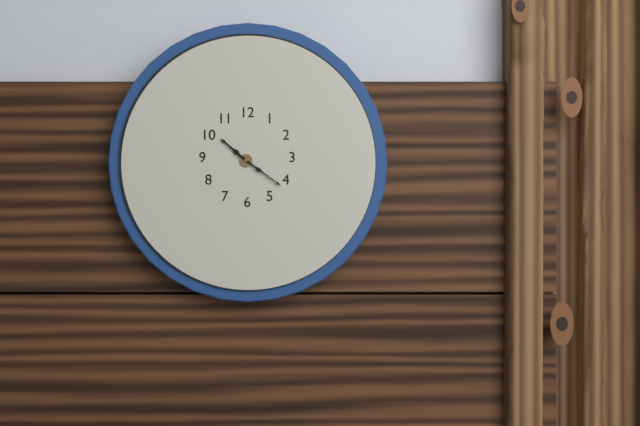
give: {"hour": 10, "minute": 21}
